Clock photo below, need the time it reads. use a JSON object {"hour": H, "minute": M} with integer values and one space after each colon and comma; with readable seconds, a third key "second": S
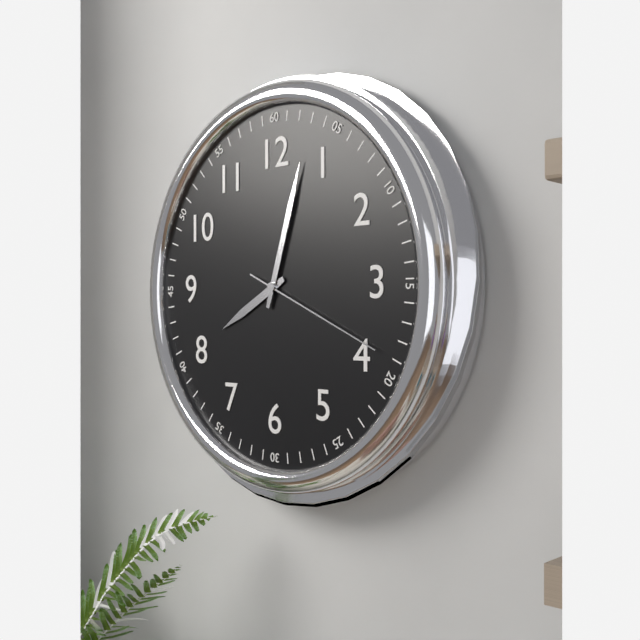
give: {"hour": 8, "minute": 3, "second": 19}
